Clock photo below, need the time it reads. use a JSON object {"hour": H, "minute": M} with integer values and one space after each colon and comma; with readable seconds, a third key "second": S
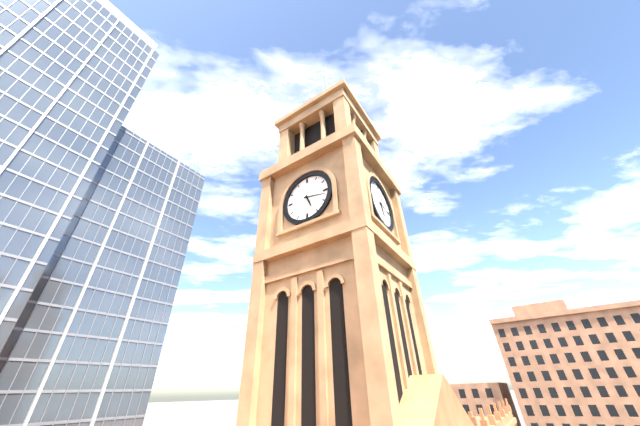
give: {"hour": 5, "minute": 17}
